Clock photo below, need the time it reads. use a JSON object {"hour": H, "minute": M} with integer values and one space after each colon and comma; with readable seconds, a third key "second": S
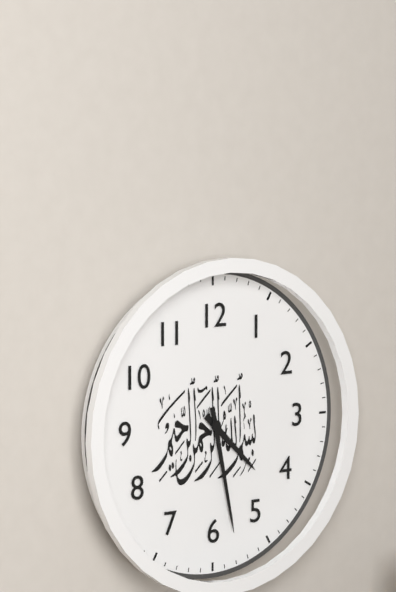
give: {"hour": 4, "minute": 28}
